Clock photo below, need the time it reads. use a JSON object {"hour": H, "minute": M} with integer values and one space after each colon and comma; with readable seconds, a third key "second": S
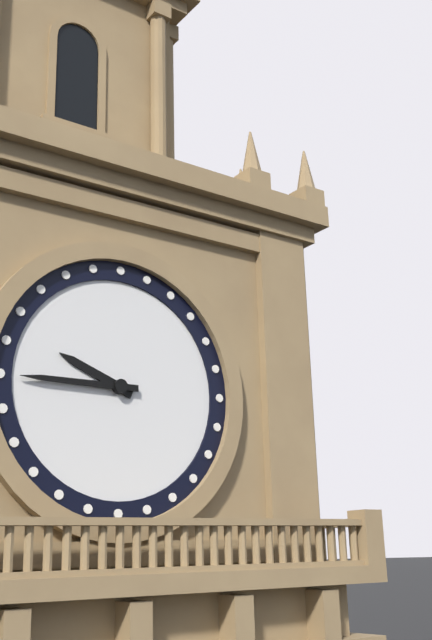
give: {"hour": 9, "minute": 45}
